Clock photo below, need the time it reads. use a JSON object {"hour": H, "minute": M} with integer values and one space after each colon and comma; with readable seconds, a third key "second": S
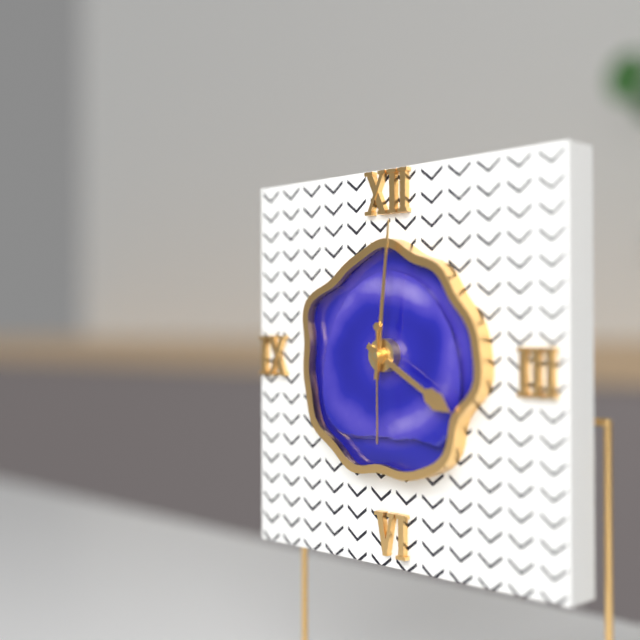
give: {"hour": 4, "minute": 1, "second": 30}
